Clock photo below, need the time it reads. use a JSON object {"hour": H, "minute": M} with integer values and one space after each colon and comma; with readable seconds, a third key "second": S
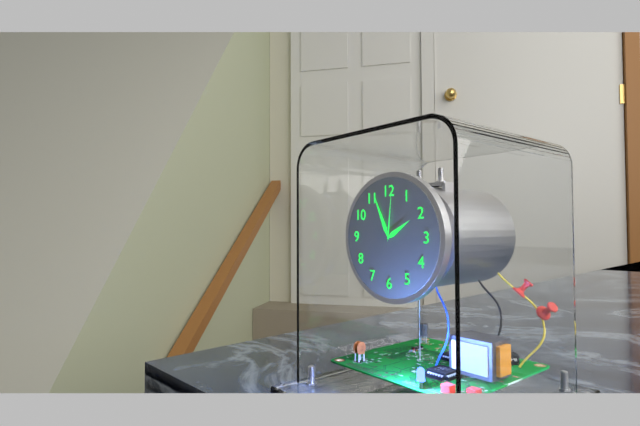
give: {"hour": 1, "minute": 56, "second": 1}
